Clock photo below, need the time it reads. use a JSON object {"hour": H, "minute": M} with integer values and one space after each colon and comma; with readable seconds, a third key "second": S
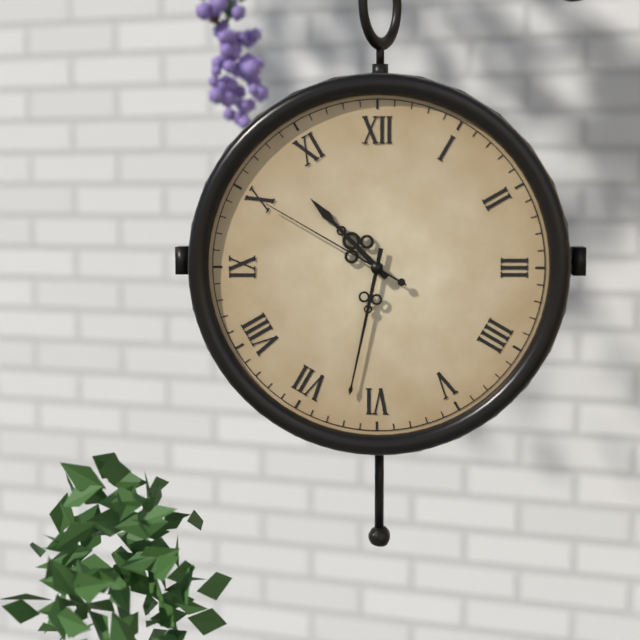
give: {"hour": 10, "minute": 32, "second": 50}
